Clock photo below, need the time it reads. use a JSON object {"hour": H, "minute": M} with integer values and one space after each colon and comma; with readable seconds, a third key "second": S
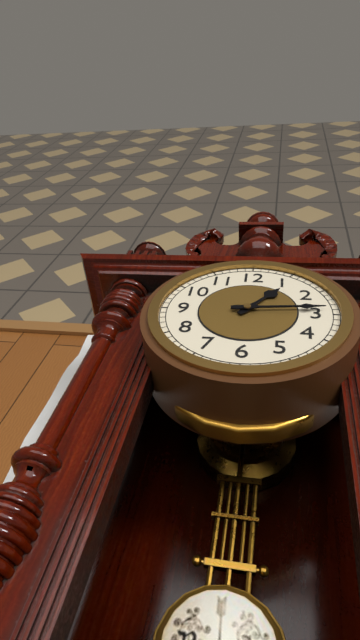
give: {"hour": 1, "minute": 14}
